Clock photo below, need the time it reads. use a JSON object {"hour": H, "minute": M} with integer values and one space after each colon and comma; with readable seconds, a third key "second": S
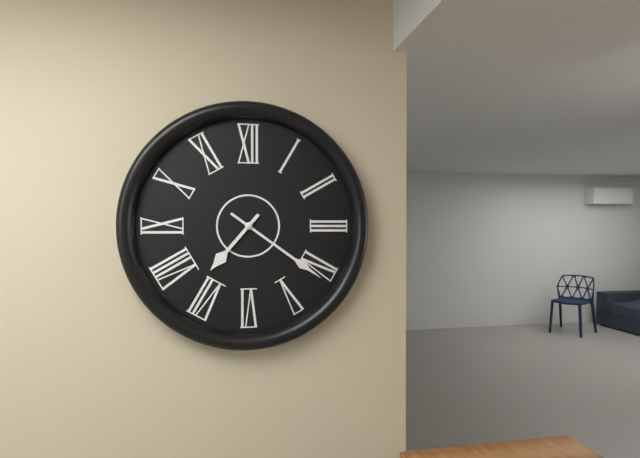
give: {"hour": 7, "minute": 21}
